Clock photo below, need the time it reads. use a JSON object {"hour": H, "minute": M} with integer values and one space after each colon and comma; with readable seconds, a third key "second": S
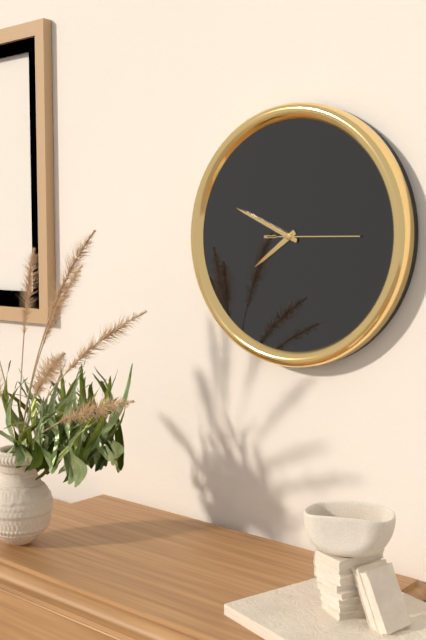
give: {"hour": 7, "minute": 49, "second": 15}
